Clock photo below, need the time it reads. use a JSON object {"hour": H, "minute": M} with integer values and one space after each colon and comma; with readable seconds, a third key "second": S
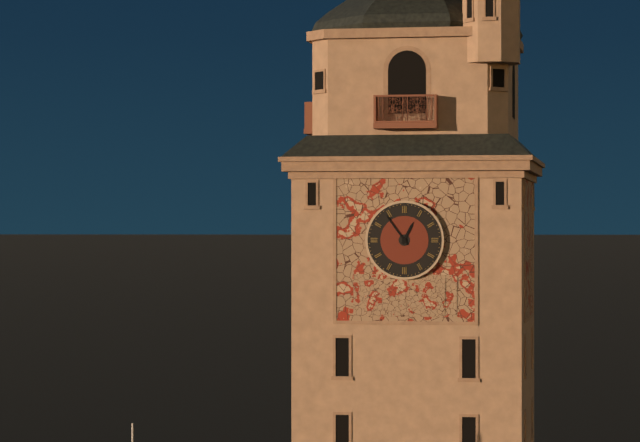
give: {"hour": 12, "minute": 54}
